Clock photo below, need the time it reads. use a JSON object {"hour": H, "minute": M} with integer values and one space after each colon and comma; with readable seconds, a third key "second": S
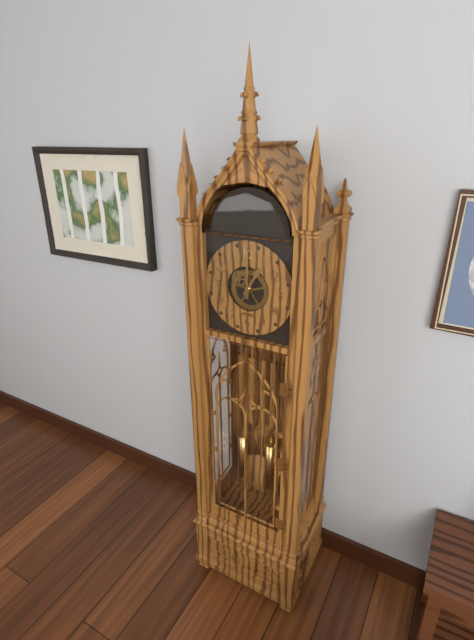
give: {"hour": 1, "minute": 0}
